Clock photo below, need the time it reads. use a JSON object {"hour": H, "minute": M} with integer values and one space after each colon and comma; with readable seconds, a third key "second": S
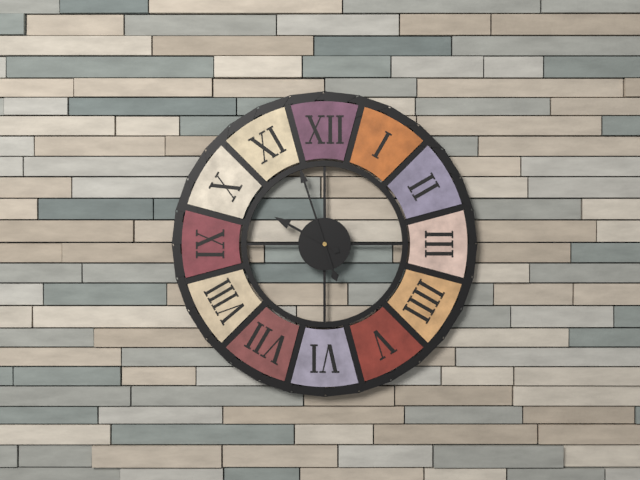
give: {"hour": 9, "minute": 57}
